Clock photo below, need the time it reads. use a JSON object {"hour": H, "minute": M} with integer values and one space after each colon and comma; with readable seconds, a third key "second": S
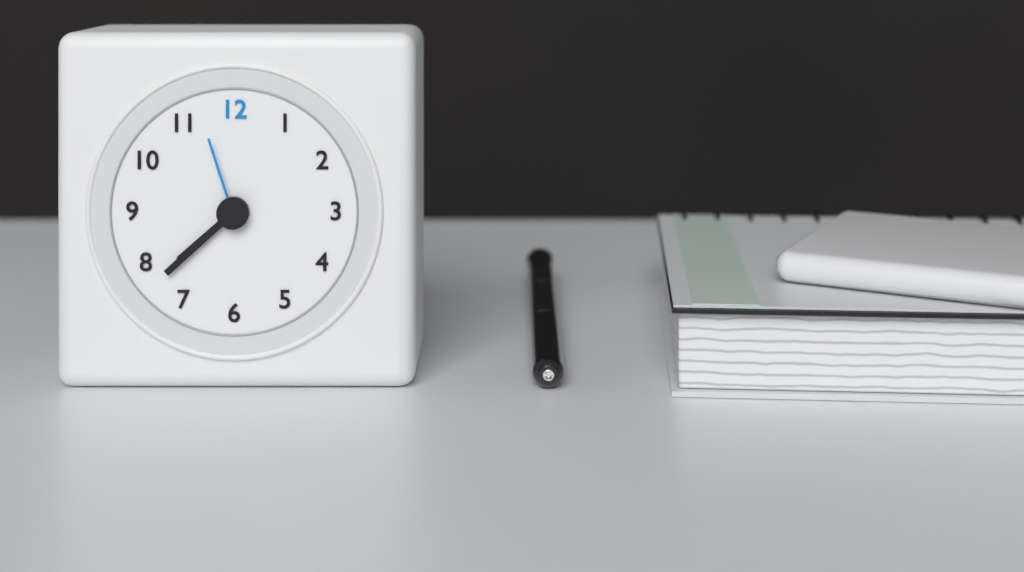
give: {"hour": 7, "minute": 38, "second": 57}
